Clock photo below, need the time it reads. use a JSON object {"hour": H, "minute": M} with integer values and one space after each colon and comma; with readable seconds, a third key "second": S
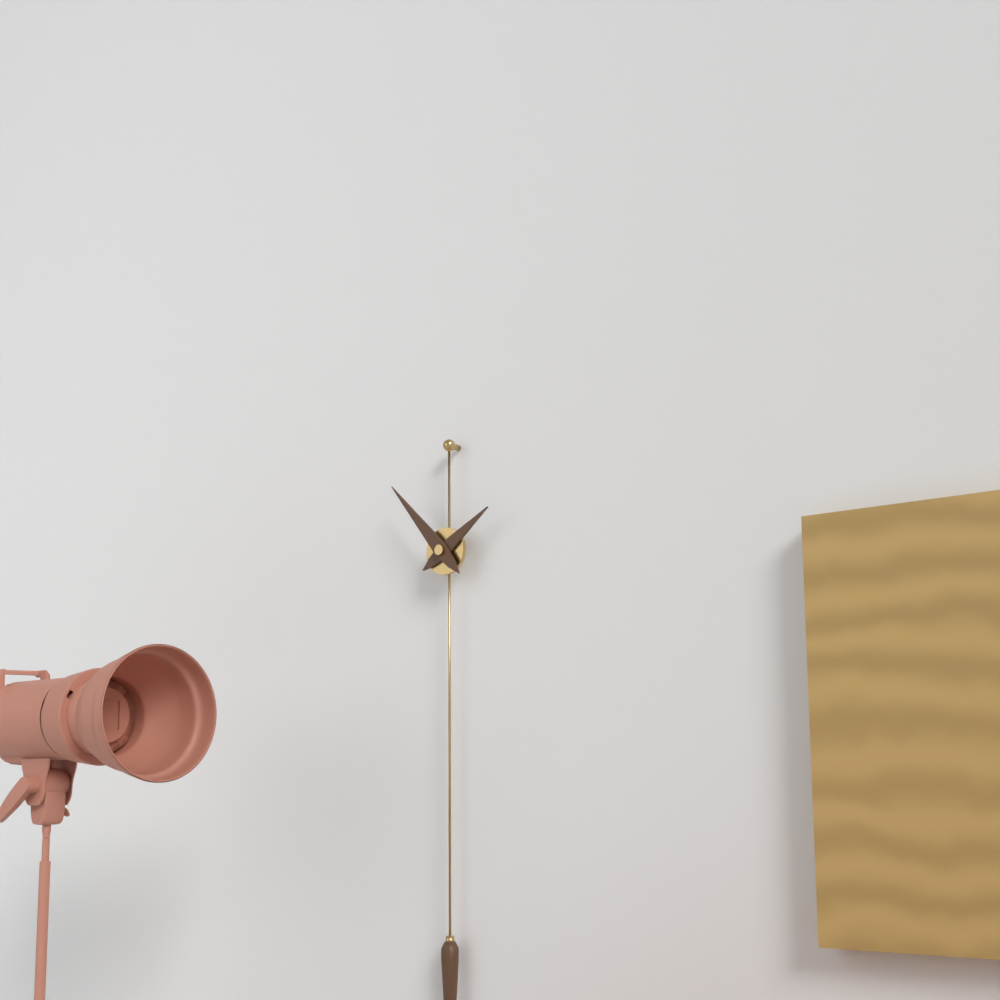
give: {"hour": 1, "minute": 53}
